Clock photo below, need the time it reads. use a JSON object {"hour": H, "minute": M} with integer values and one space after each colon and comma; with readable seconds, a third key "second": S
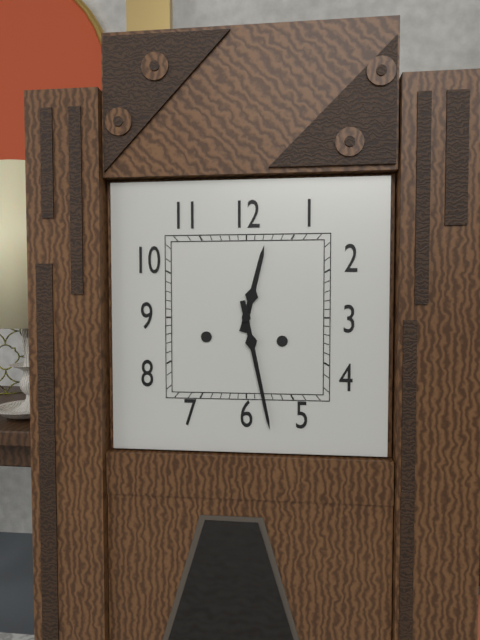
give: {"hour": 12, "minute": 28}
